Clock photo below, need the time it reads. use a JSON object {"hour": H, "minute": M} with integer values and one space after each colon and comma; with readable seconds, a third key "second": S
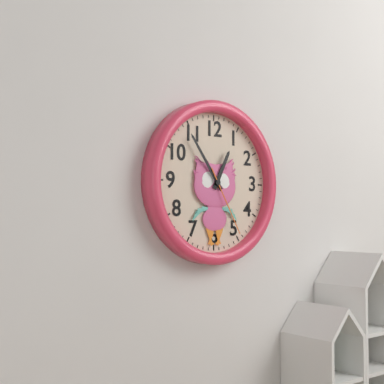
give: {"hour": 12, "minute": 54, "second": 25}
